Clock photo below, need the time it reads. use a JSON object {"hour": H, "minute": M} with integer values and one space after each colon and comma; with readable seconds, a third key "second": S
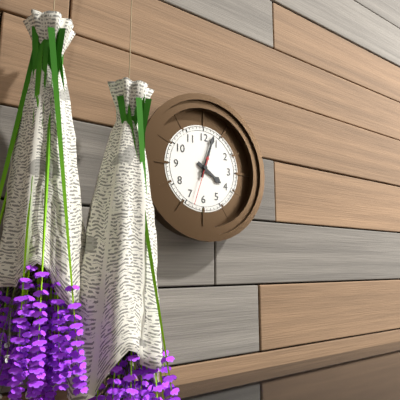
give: {"hour": 4, "minute": 3}
